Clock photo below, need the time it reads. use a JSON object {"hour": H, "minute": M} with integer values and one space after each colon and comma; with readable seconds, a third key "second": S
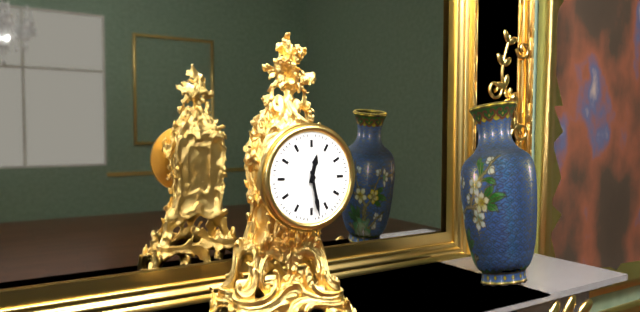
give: {"hour": 12, "minute": 28}
